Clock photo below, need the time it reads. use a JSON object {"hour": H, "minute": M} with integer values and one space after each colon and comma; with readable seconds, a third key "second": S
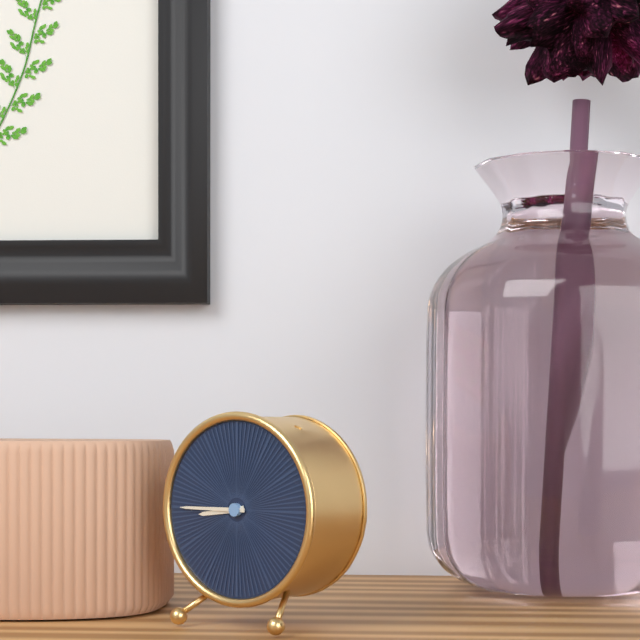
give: {"hour": 8, "minute": 45}
